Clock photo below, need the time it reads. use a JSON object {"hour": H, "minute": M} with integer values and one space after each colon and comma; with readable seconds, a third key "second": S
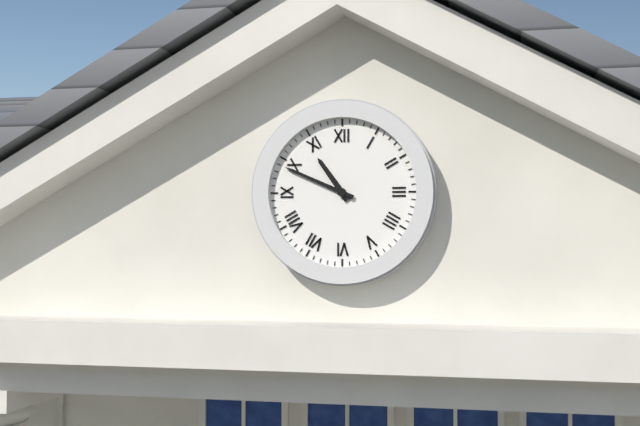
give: {"hour": 10, "minute": 49}
